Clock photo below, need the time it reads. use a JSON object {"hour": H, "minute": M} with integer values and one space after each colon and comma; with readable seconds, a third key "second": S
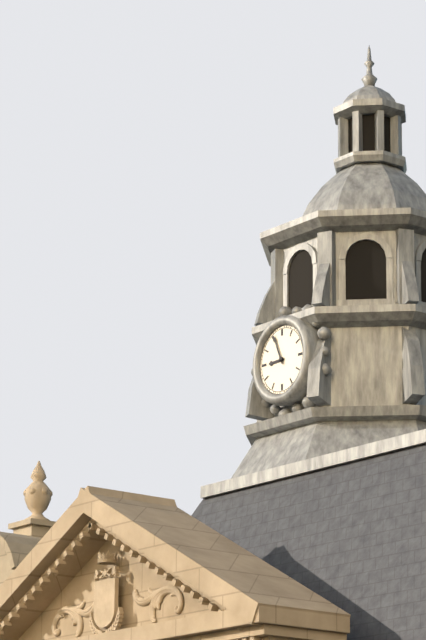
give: {"hour": 8, "minute": 56}
